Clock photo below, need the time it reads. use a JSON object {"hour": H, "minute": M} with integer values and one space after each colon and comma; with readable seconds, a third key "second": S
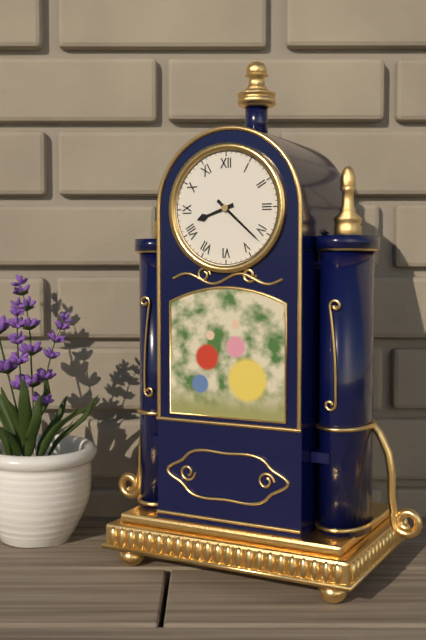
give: {"hour": 8, "minute": 22}
